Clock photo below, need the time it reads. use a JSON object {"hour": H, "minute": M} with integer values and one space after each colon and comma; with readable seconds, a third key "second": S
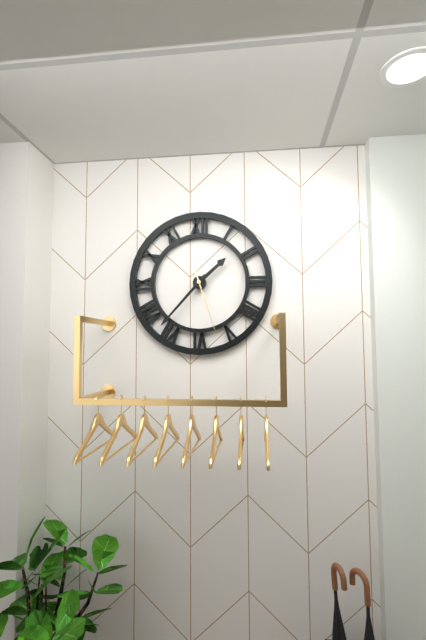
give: {"hour": 1, "minute": 37, "second": 27}
